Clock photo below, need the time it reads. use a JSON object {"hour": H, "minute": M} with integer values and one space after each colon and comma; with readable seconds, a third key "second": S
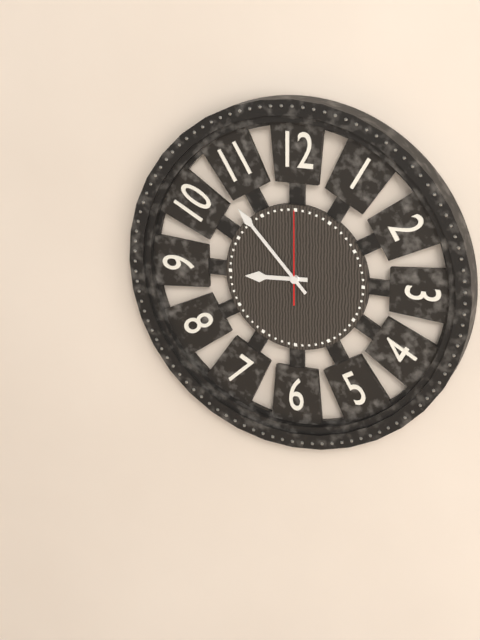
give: {"hour": 8, "minute": 53, "second": 0}
